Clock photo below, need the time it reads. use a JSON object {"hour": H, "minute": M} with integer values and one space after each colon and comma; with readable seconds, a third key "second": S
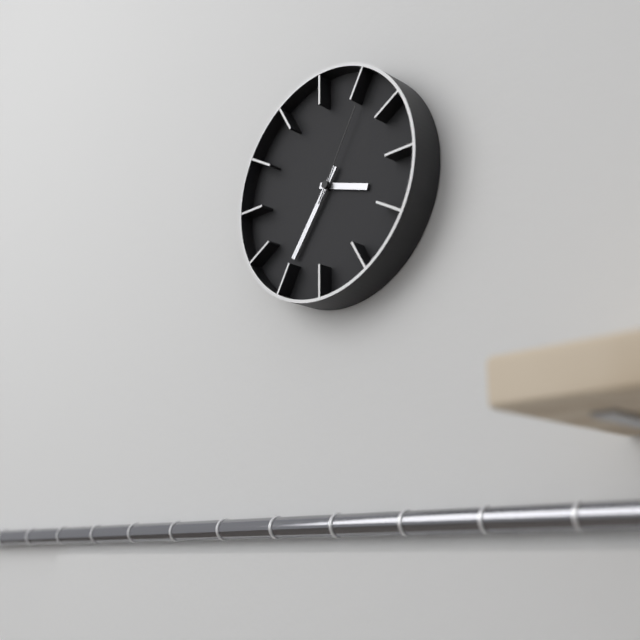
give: {"hour": 3, "minute": 36, "second": 5}
